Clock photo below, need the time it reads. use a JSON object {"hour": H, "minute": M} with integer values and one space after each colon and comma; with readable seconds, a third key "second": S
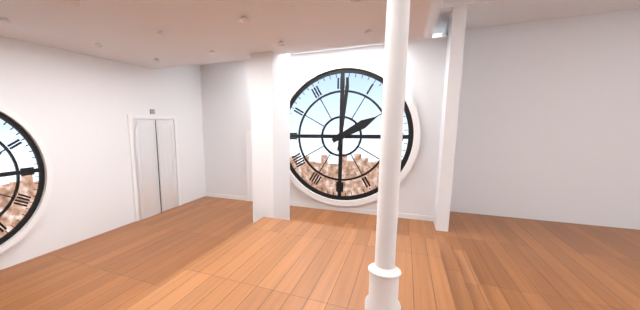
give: {"hour": 2, "minute": 1}
